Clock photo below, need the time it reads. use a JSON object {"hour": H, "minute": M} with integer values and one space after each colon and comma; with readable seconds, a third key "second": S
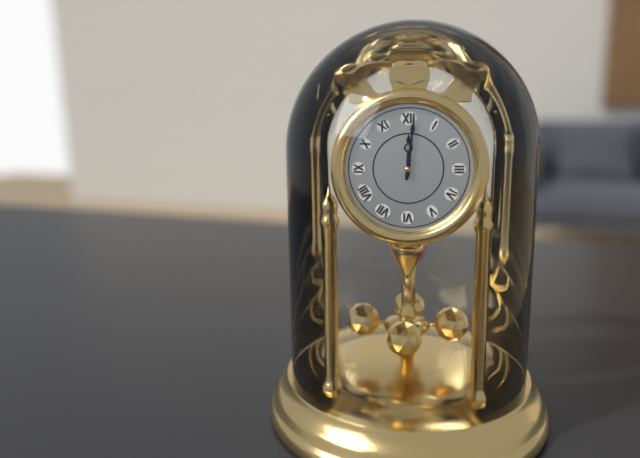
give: {"hour": 12, "minute": 1}
